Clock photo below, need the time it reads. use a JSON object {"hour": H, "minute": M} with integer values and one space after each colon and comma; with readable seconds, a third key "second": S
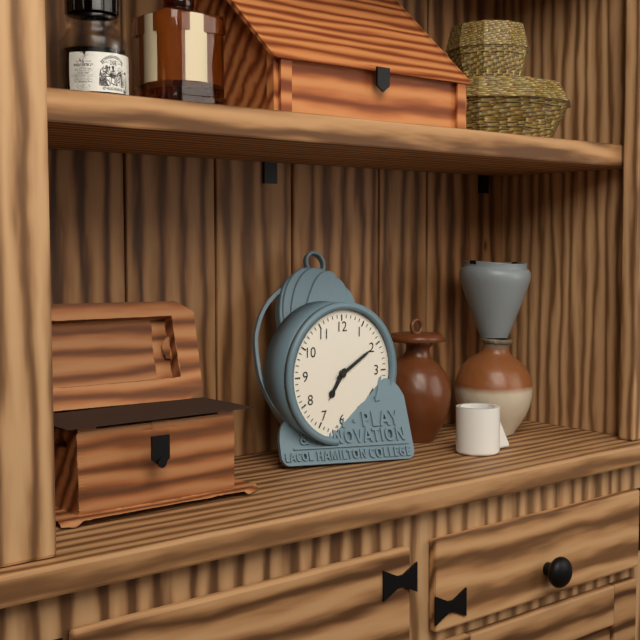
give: {"hour": 7, "minute": 10}
